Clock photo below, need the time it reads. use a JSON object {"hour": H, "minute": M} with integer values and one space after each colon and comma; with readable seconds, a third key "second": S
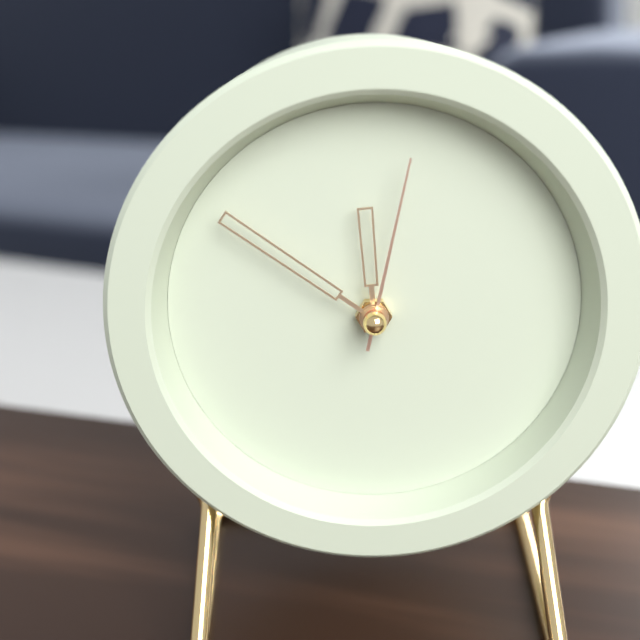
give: {"hour": 11, "minute": 51, "second": 2}
